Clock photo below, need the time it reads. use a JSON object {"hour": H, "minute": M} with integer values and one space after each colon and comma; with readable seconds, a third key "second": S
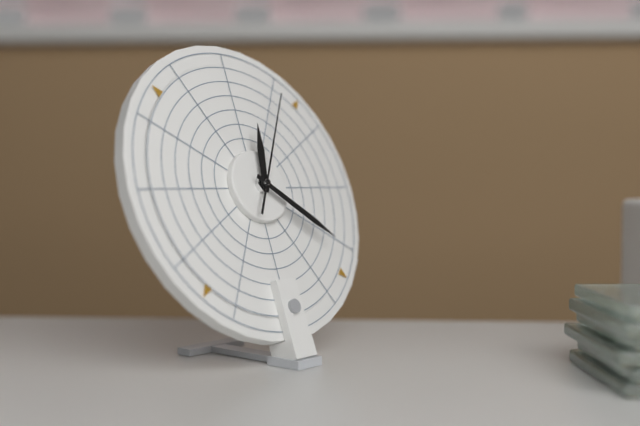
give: {"hour": 12, "minute": 21, "second": 5}
